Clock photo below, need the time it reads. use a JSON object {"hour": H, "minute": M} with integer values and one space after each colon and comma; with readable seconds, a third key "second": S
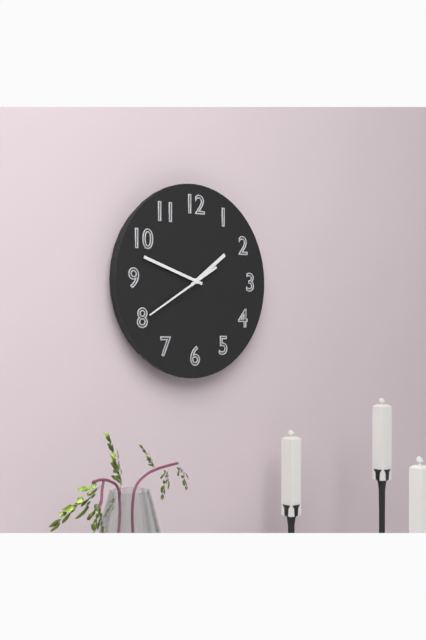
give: {"hour": 1, "minute": 48, "second": 40}
